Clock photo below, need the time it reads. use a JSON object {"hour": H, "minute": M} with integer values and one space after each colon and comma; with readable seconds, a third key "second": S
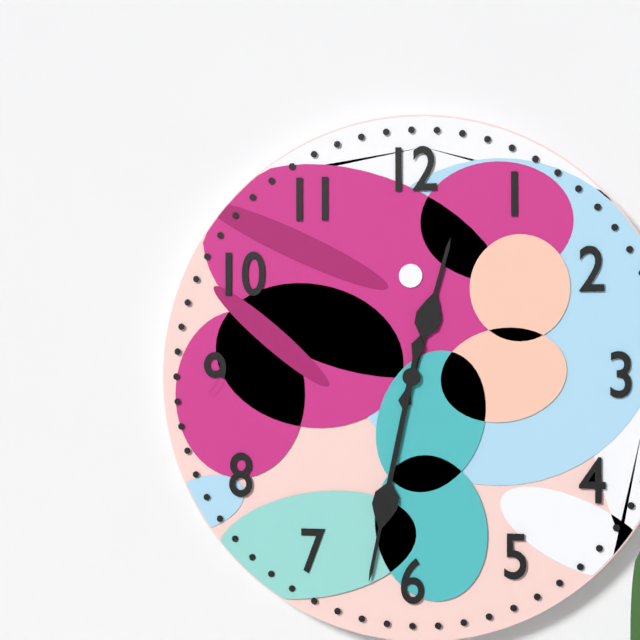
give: {"hour": 12, "minute": 32}
